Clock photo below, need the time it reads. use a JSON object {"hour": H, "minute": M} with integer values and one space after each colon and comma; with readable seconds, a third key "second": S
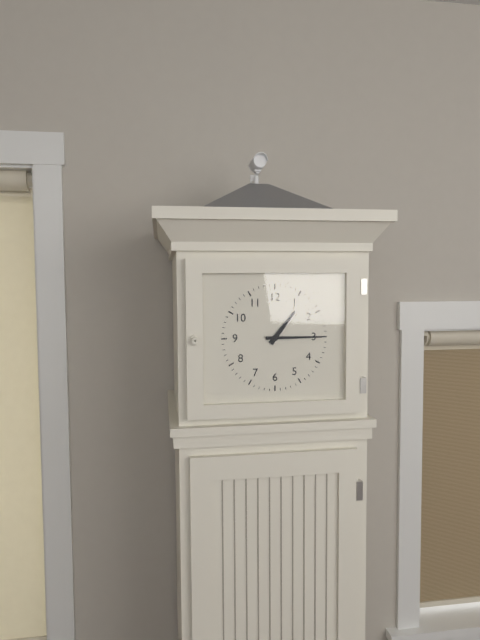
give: {"hour": 1, "minute": 15}
